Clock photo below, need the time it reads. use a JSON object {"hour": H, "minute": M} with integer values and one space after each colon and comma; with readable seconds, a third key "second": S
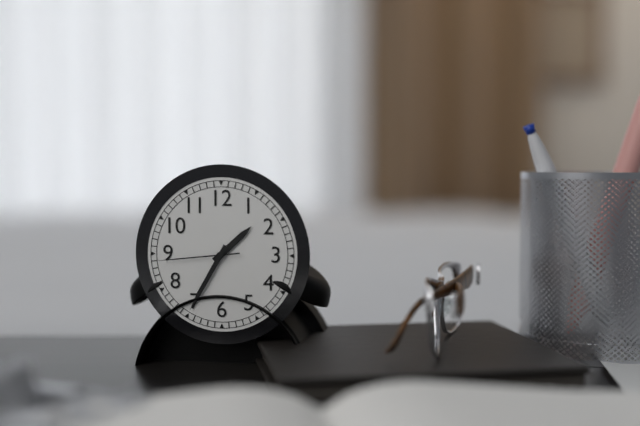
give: {"hour": 1, "minute": 35, "second": 44}
